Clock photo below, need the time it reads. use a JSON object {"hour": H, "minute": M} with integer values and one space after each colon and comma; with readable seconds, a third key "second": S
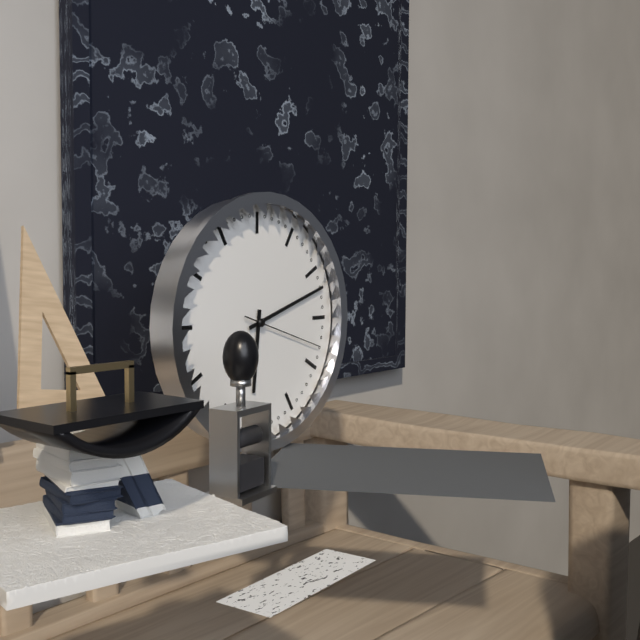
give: {"hour": 6, "minute": 12, "second": 18}
